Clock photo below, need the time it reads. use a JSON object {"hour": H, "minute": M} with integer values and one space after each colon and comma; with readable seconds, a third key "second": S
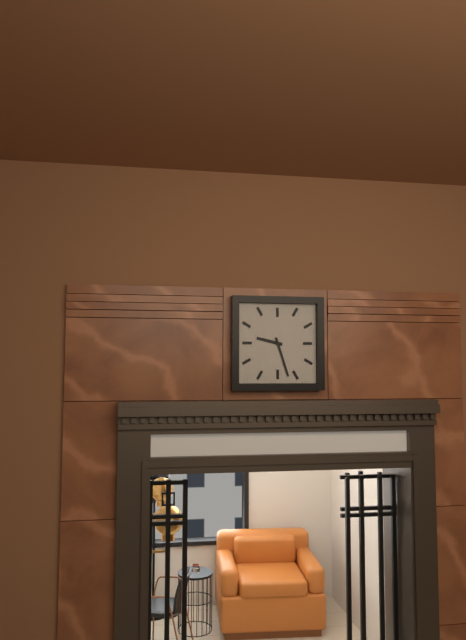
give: {"hour": 9, "minute": 27}
